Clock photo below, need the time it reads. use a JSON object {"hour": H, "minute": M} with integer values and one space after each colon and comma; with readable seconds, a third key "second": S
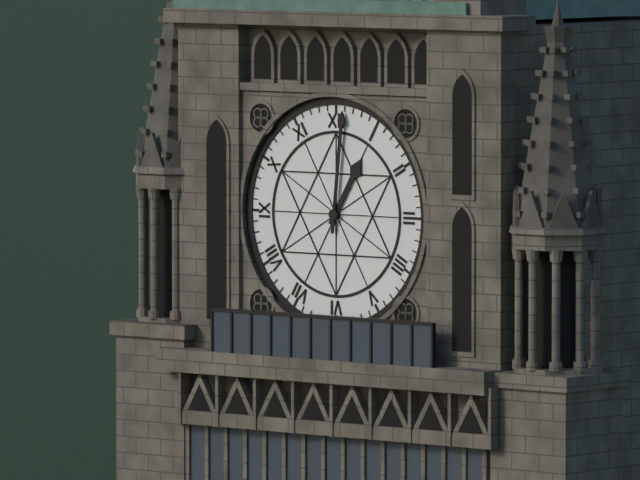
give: {"hour": 1, "minute": 1}
